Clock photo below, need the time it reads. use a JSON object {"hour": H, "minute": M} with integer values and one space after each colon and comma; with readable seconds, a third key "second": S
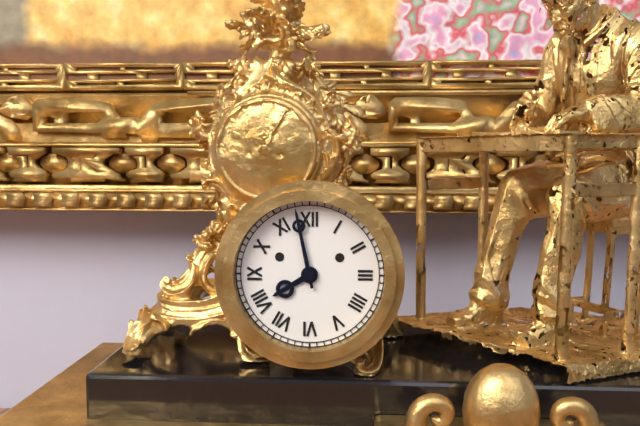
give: {"hour": 7, "minute": 58}
